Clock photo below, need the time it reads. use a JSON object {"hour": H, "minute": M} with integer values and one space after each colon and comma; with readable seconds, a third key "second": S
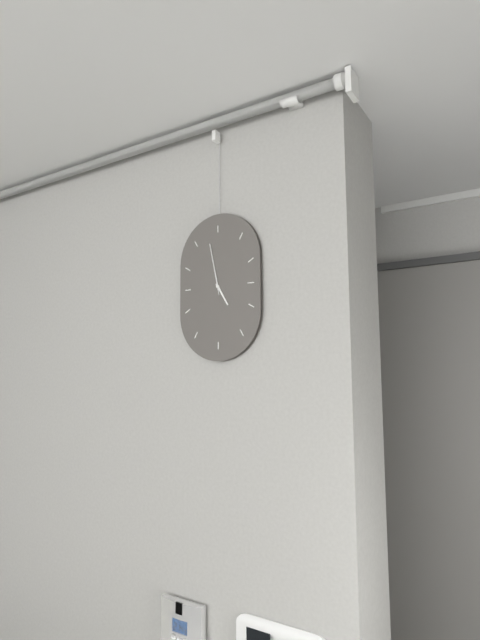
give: {"hour": 4, "minute": 58, "second": 58}
